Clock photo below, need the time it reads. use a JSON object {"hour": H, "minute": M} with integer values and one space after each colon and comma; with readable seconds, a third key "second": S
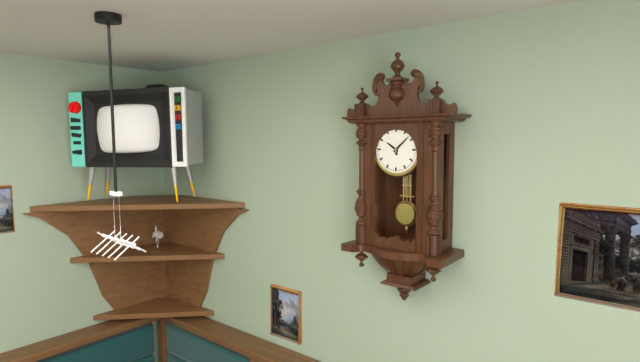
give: {"hour": 10, "minute": 8}
